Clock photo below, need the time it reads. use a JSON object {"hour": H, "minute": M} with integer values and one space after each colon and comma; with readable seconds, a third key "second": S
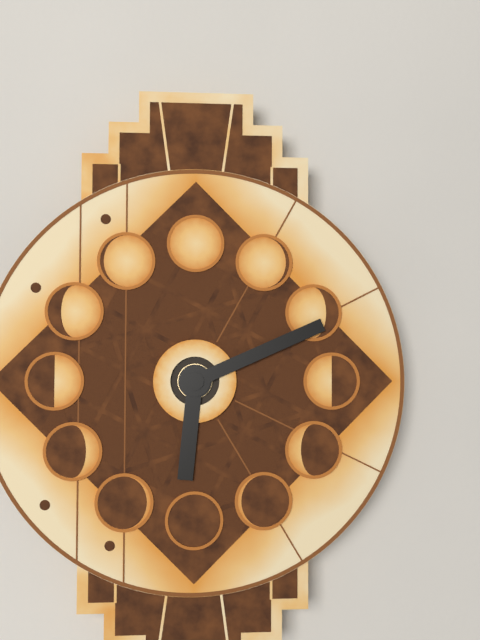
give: {"hour": 6, "minute": 11}
